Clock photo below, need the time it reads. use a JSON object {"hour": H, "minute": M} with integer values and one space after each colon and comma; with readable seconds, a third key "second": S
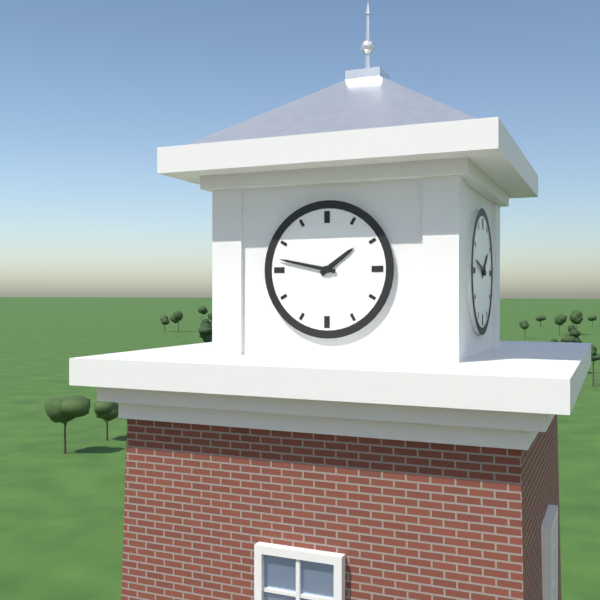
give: {"hour": 1, "minute": 47}
